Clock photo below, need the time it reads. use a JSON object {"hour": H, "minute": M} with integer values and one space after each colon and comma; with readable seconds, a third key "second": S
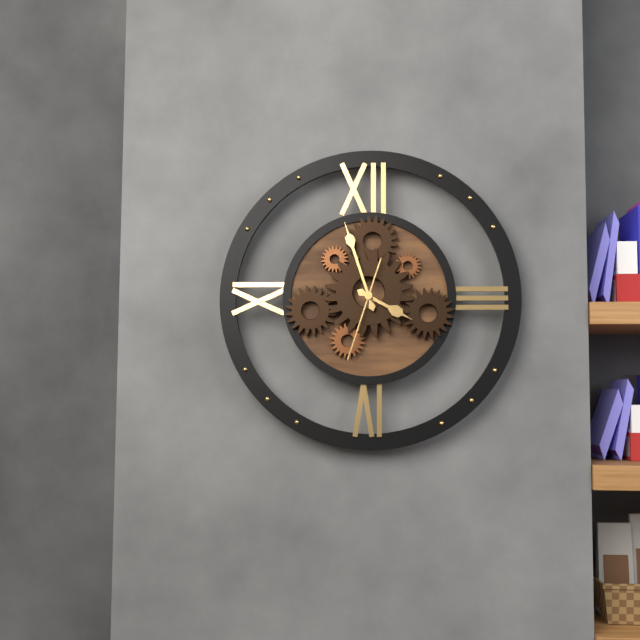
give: {"hour": 3, "minute": 57, "second": 33}
